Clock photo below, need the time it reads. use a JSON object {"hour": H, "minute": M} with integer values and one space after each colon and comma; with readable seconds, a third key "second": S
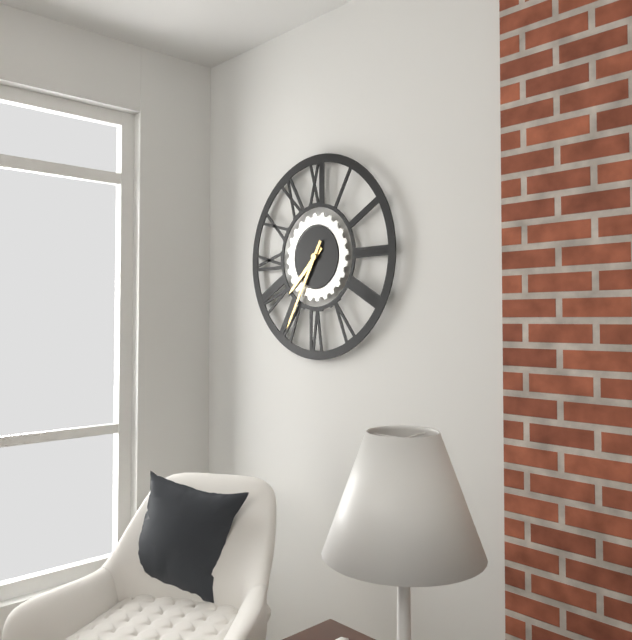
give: {"hour": 7, "minute": 35}
